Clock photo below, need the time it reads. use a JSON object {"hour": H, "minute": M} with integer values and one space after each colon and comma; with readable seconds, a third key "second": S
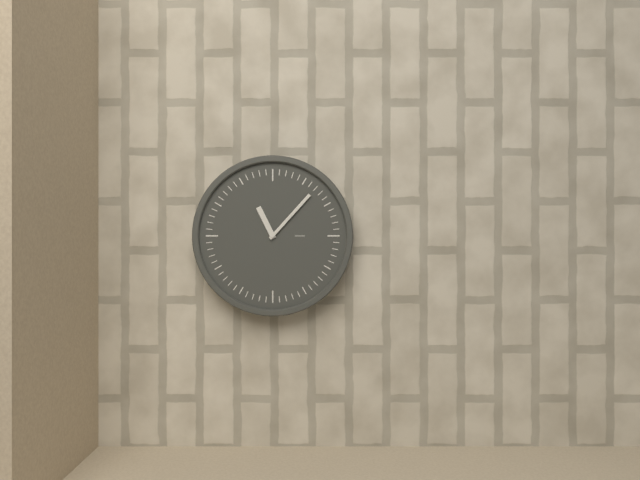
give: {"hour": 11, "minute": 7}
